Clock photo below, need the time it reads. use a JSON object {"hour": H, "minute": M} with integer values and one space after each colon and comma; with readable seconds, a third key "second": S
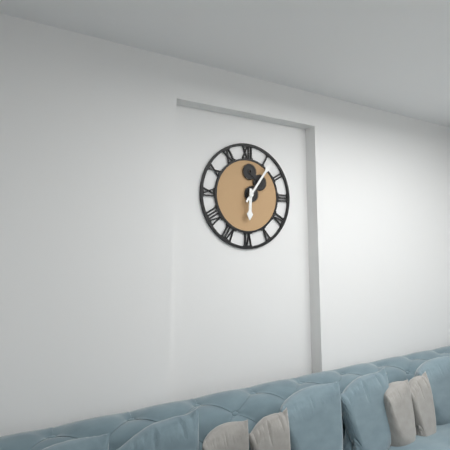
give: {"hour": 6, "minute": 6}
